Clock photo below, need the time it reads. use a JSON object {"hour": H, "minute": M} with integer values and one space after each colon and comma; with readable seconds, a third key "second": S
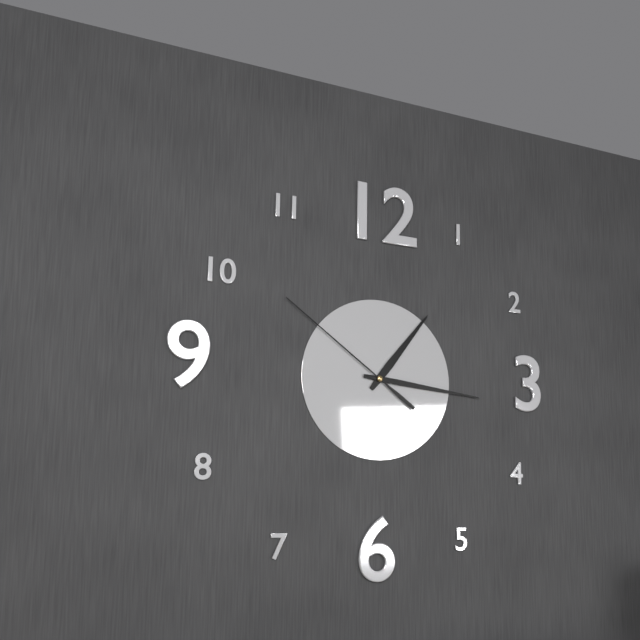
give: {"hour": 1, "minute": 16, "second": 51}
